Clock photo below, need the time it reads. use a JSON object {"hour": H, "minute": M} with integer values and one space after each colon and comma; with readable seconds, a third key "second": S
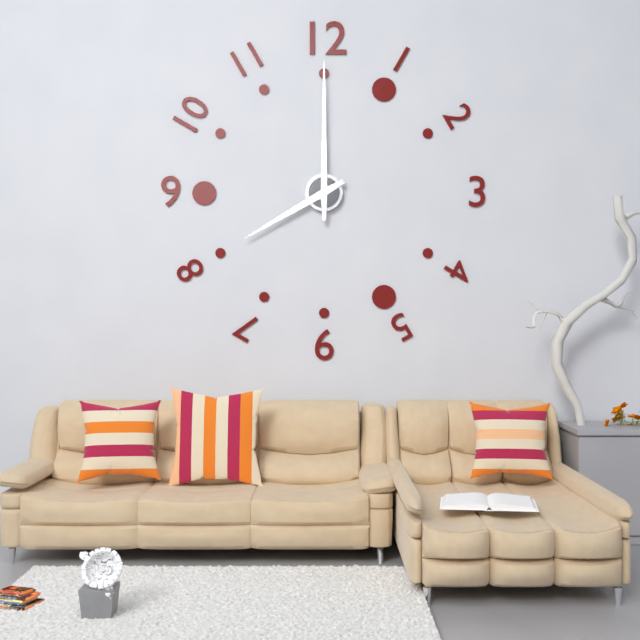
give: {"hour": 8, "minute": 0}
